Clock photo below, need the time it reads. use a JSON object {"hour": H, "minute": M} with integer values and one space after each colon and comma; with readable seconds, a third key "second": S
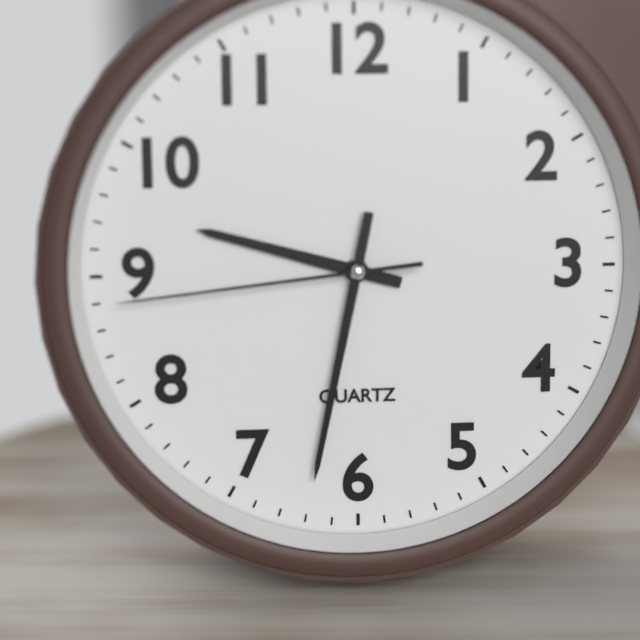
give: {"hour": 9, "minute": 32, "second": 44}
